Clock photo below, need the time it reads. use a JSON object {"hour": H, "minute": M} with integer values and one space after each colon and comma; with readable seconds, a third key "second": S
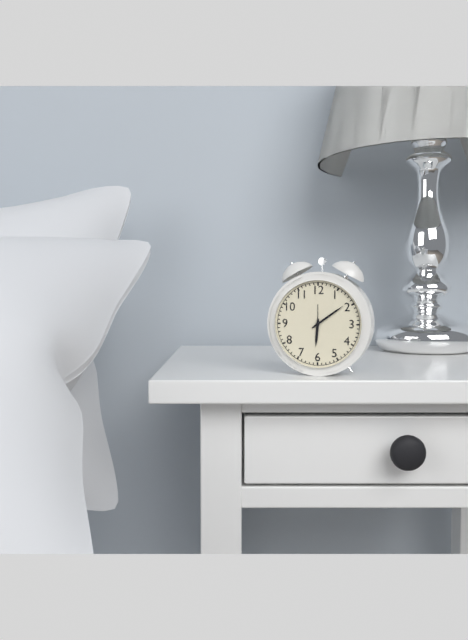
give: {"hour": 6, "minute": 9}
